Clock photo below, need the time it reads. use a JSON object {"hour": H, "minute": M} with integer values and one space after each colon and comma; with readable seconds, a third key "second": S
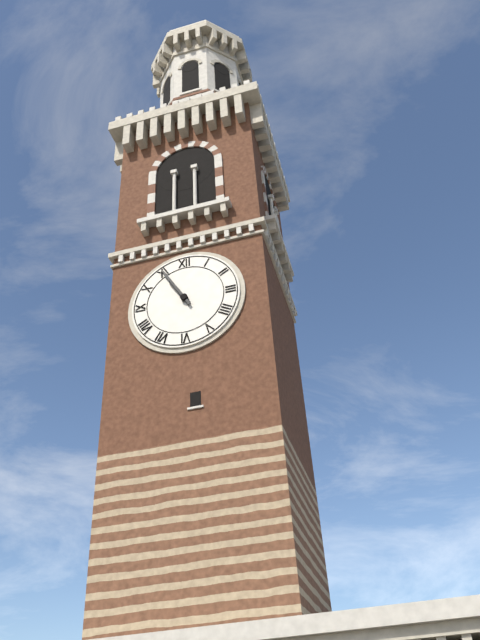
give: {"hour": 10, "minute": 55}
